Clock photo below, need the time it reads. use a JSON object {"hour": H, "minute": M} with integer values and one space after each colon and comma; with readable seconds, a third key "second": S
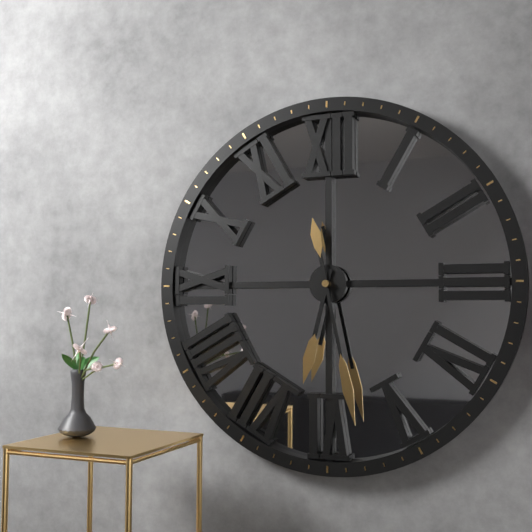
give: {"hour": 6, "minute": 28}
